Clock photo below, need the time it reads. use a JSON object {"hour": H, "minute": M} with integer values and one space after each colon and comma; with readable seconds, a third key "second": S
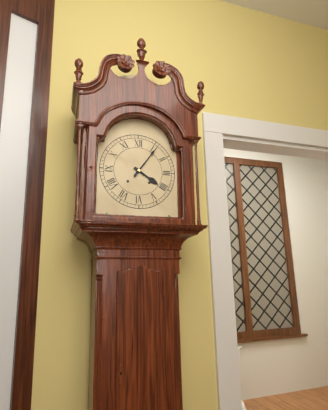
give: {"hour": 4, "minute": 6}
